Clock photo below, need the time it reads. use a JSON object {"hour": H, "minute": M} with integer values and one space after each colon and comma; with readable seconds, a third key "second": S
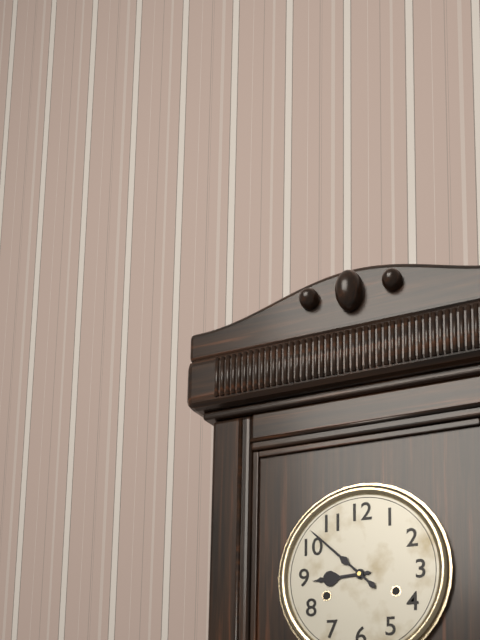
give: {"hour": 8, "minute": 52}
